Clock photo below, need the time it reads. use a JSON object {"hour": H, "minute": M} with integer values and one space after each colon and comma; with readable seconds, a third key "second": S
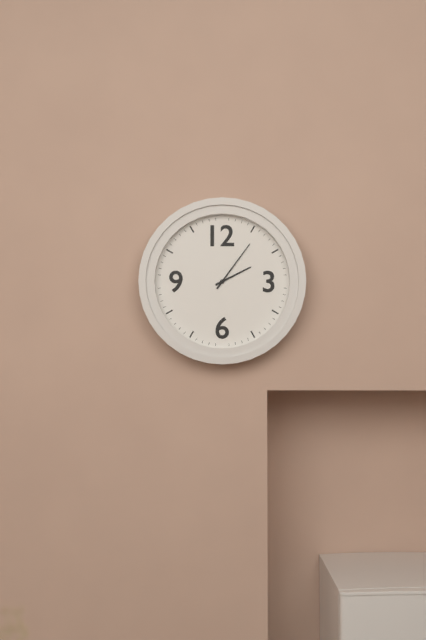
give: {"hour": 2, "minute": 6}
